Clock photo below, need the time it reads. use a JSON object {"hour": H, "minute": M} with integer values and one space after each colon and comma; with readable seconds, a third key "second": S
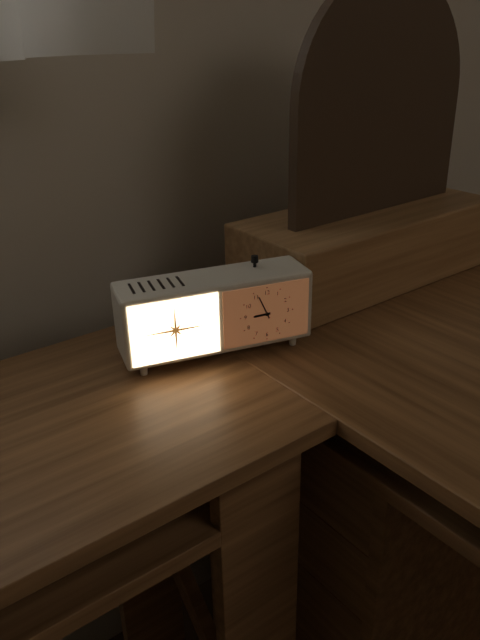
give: {"hour": 8, "minute": 56}
